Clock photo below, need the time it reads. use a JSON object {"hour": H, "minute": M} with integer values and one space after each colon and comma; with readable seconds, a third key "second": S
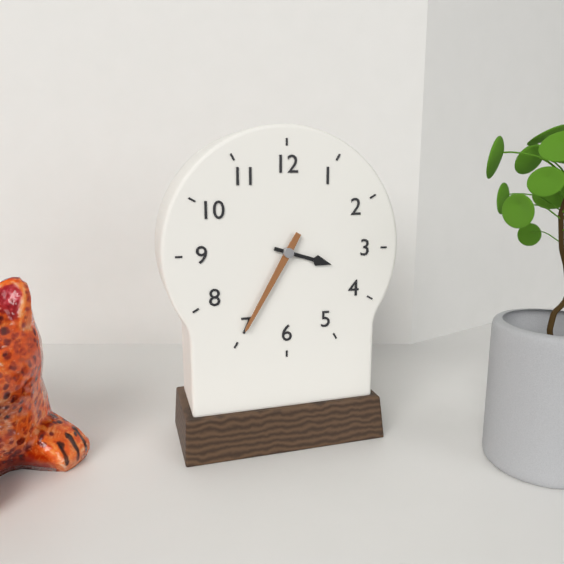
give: {"hour": 3, "minute": 35}
